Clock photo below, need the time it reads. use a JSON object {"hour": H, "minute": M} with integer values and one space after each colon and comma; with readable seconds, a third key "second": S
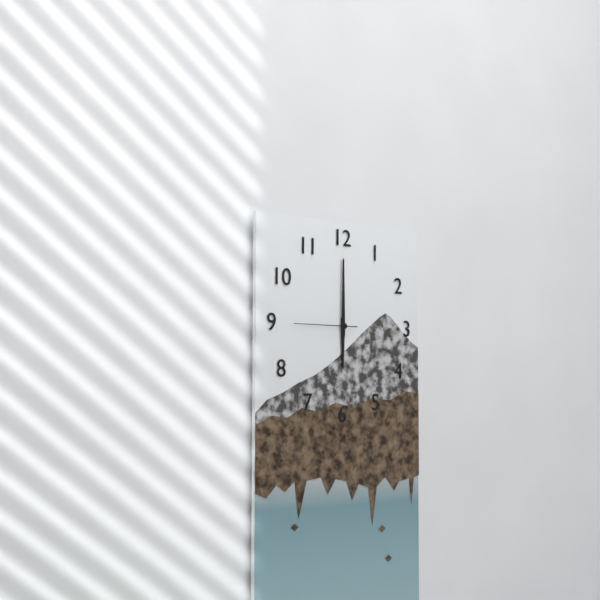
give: {"hour": 6, "minute": 0, "second": 45}
